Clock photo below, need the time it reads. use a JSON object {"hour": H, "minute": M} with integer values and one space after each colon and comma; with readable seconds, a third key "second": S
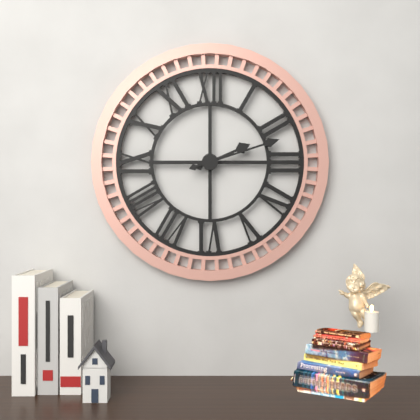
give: {"hour": 2, "minute": 12}
